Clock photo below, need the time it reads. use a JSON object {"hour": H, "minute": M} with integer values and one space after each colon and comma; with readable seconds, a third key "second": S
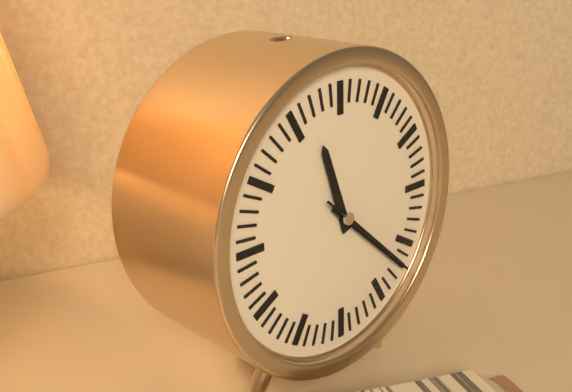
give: {"hour": 11, "minute": 22, "second": 22}
